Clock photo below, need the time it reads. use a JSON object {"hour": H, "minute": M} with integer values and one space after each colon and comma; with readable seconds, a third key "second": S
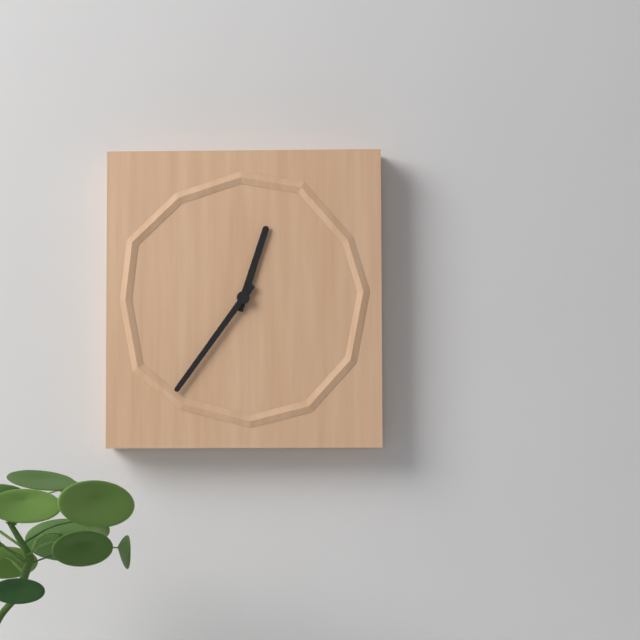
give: {"hour": 12, "minute": 36}
